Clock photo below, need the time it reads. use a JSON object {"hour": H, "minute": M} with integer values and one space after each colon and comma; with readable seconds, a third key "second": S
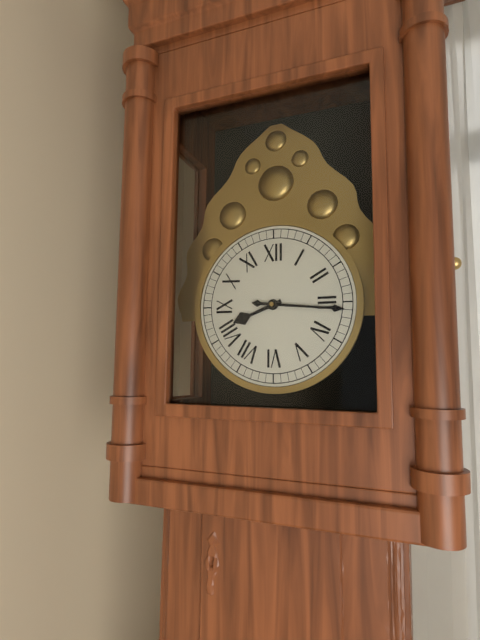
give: {"hour": 8, "minute": 16}
